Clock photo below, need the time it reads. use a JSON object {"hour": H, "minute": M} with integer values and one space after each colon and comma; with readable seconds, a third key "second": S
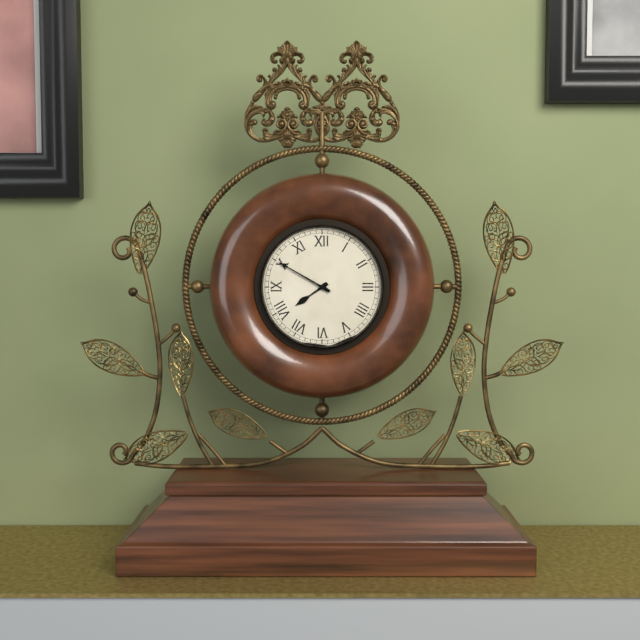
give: {"hour": 7, "minute": 50}
